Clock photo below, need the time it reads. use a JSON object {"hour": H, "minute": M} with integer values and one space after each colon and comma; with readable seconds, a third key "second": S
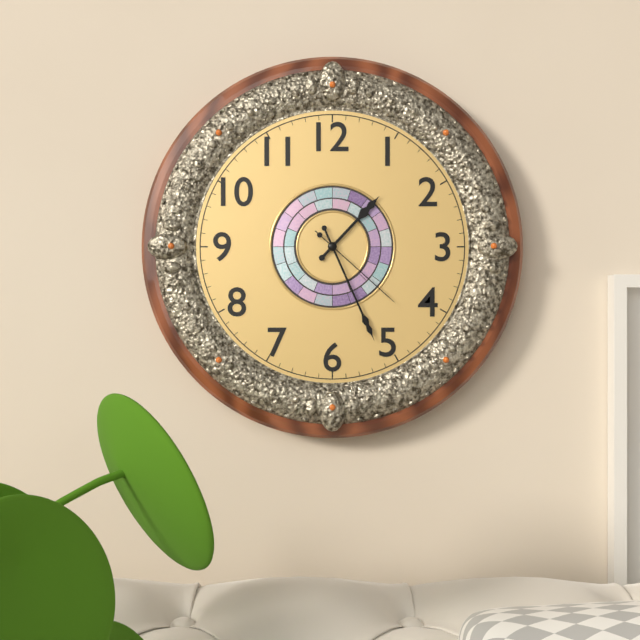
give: {"hour": 1, "minute": 26, "second": 22}
